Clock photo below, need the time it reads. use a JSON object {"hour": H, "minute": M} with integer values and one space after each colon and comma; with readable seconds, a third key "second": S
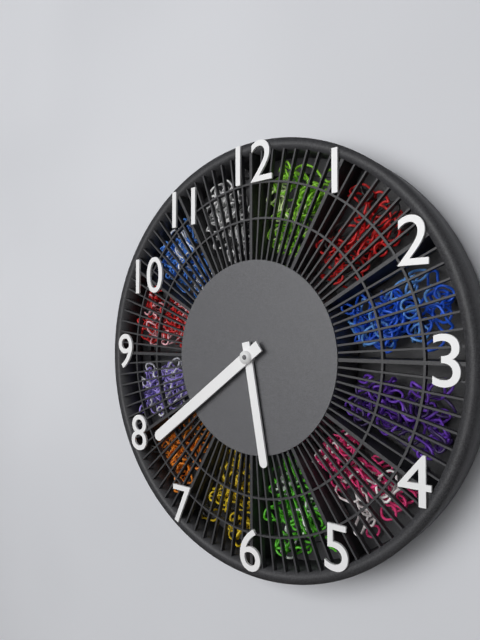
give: {"hour": 5, "minute": 39}
